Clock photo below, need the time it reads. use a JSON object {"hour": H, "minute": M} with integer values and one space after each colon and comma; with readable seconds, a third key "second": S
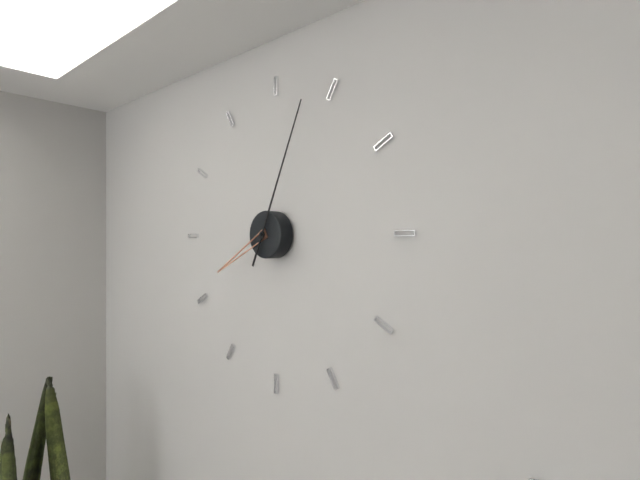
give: {"hour": 8, "minute": 4}
